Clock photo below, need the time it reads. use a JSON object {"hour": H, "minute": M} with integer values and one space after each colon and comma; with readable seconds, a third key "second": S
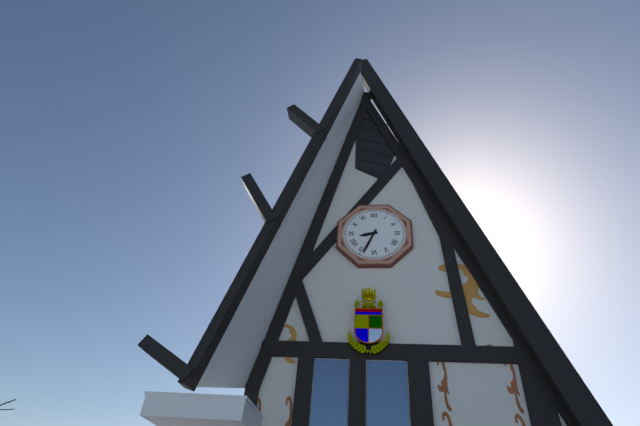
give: {"hour": 8, "minute": 34}
